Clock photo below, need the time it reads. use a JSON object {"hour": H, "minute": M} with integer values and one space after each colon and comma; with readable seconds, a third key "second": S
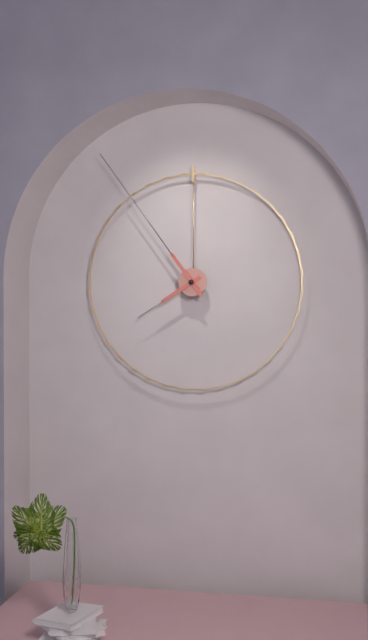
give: {"hour": 7, "minute": 54}
